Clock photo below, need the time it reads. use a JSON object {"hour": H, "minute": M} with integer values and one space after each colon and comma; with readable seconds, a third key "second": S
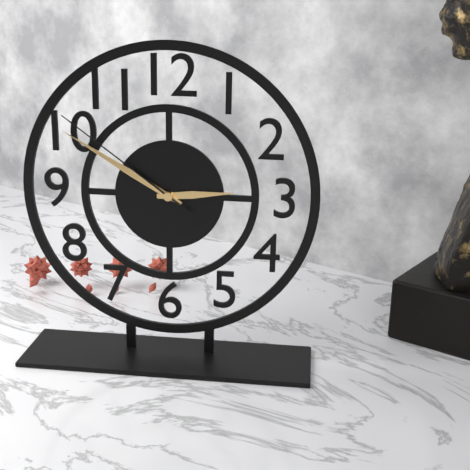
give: {"hour": 2, "minute": 50, "second": 51}
